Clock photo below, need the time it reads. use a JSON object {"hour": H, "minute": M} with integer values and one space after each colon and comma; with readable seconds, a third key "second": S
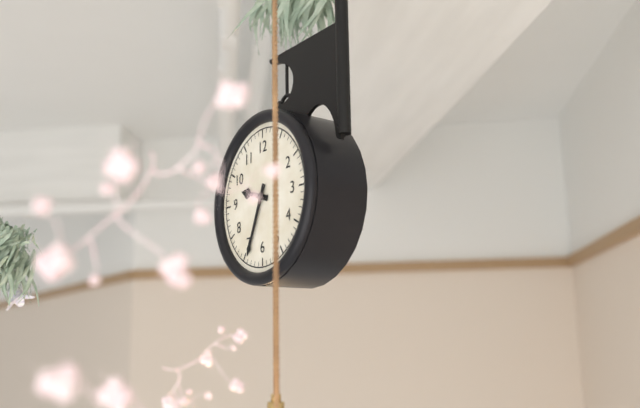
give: {"hour": 9, "minute": 34}
